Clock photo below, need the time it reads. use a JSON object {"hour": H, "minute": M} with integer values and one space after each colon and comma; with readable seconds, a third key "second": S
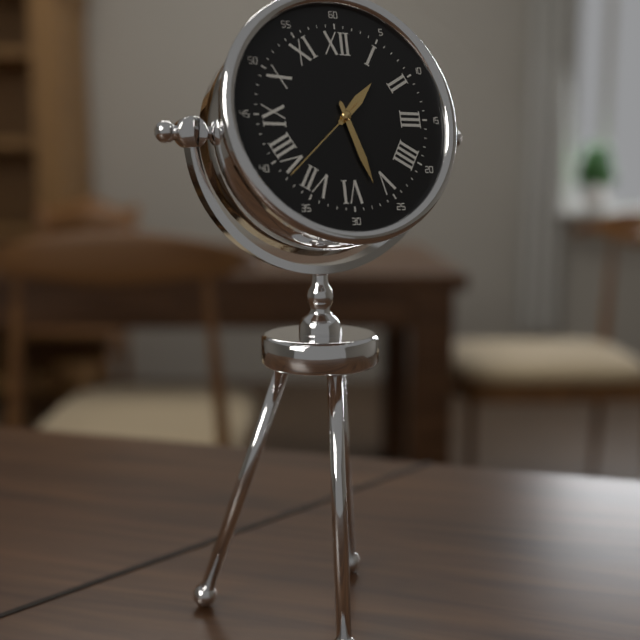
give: {"hour": 1, "minute": 27, "second": 38}
